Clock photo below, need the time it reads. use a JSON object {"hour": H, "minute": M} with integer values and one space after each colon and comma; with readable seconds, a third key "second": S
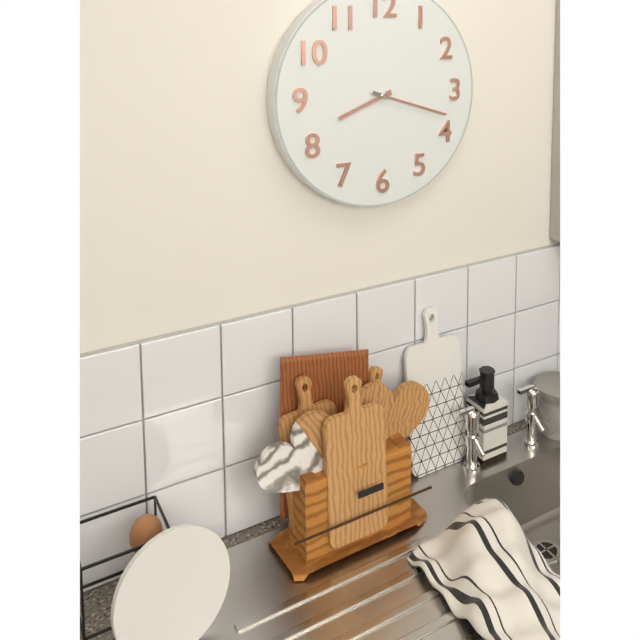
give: {"hour": 8, "minute": 18}
